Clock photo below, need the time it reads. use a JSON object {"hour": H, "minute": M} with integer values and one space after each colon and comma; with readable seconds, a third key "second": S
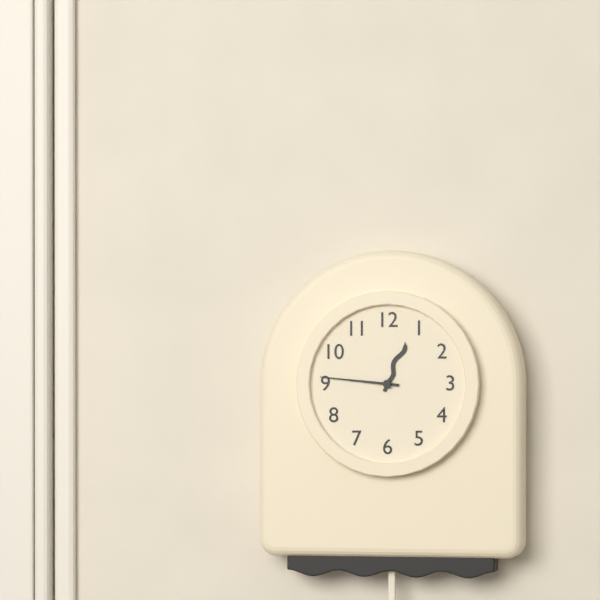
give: {"hour": 12, "minute": 46}
